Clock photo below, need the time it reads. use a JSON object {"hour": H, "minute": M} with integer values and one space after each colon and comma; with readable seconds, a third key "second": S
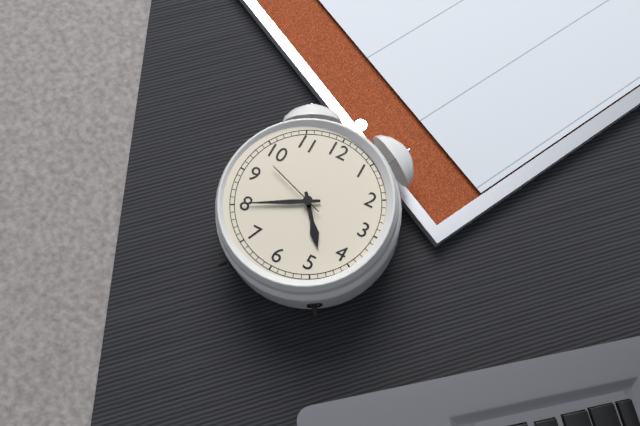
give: {"hour": 4, "minute": 40, "second": 48}
